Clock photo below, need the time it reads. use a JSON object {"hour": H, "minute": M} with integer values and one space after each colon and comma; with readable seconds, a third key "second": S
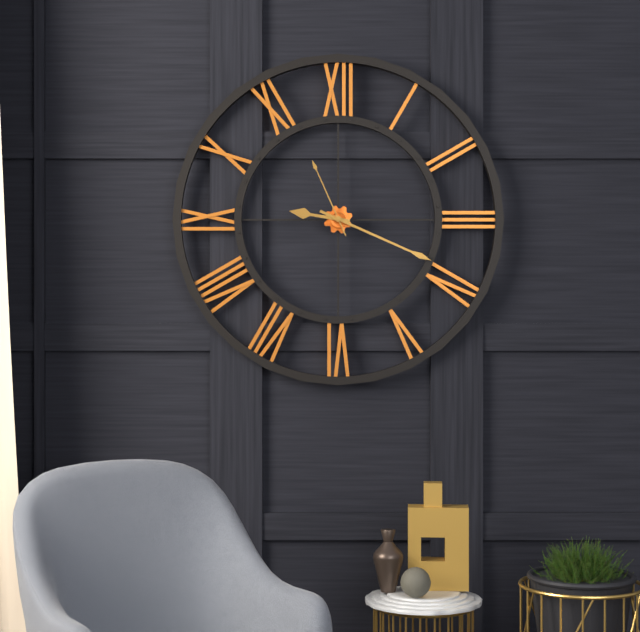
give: {"hour": 9, "minute": 19, "second": 56}
